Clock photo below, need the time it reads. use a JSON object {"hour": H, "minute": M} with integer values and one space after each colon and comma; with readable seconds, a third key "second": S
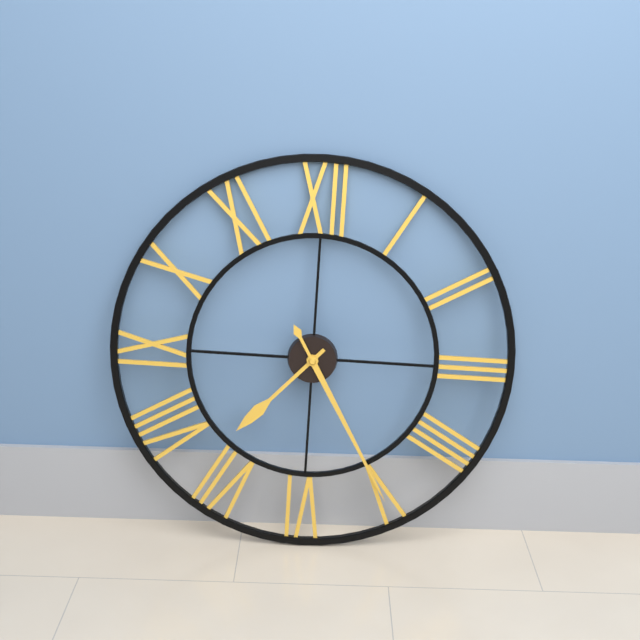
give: {"hour": 7, "minute": 25}
